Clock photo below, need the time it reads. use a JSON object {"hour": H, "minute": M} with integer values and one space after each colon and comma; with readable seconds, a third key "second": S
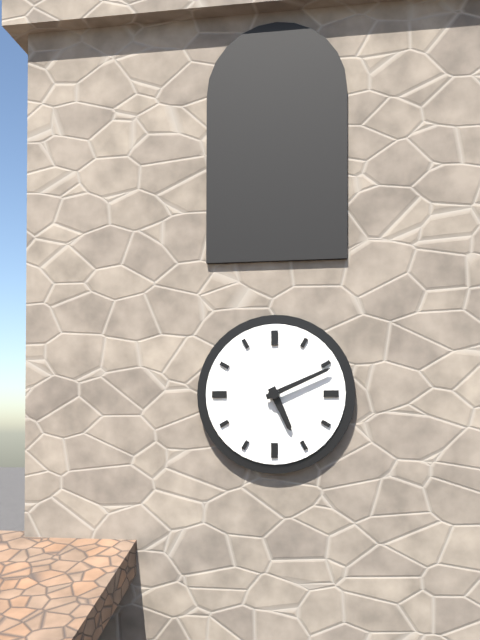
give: {"hour": 5, "minute": 11}
